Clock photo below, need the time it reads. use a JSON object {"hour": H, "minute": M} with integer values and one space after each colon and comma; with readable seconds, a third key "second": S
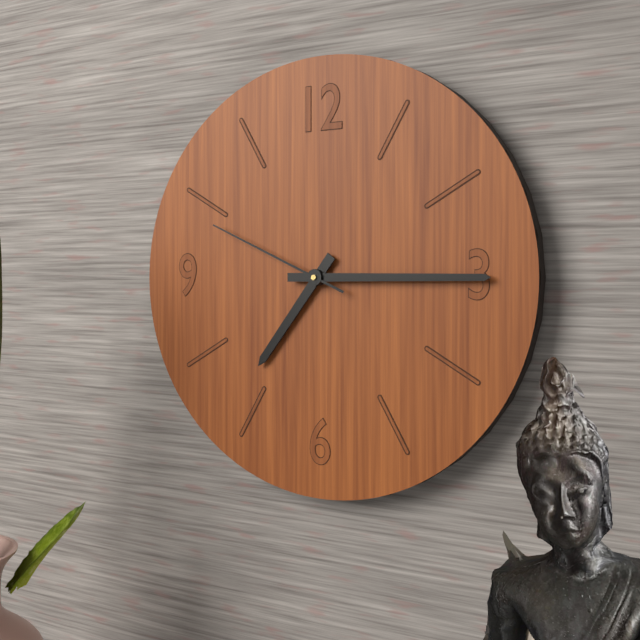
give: {"hour": 7, "minute": 15, "second": 49}
